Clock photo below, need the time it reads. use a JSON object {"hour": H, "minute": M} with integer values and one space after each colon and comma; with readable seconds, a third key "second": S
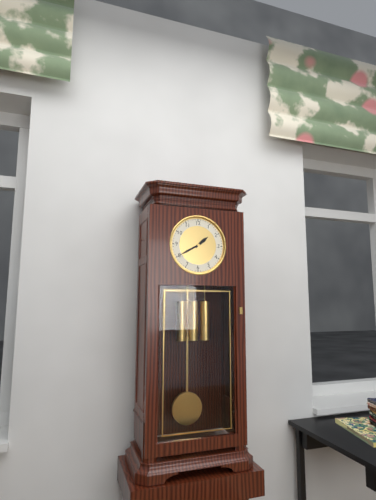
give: {"hour": 1, "minute": 40}
